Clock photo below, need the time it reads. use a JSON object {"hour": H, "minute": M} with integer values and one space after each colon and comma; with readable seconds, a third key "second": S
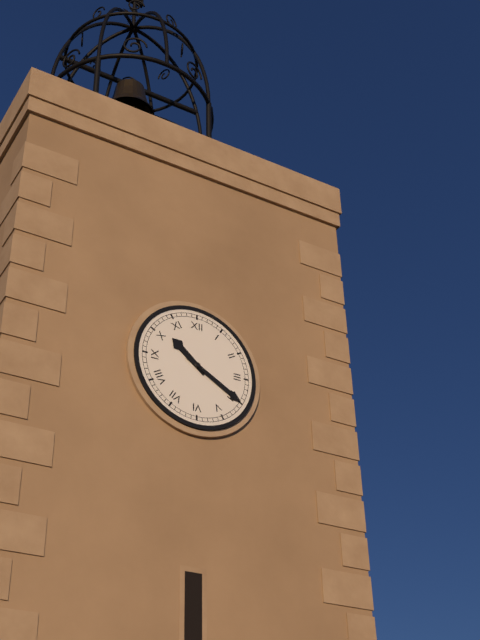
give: {"hour": 10, "minute": 20}
